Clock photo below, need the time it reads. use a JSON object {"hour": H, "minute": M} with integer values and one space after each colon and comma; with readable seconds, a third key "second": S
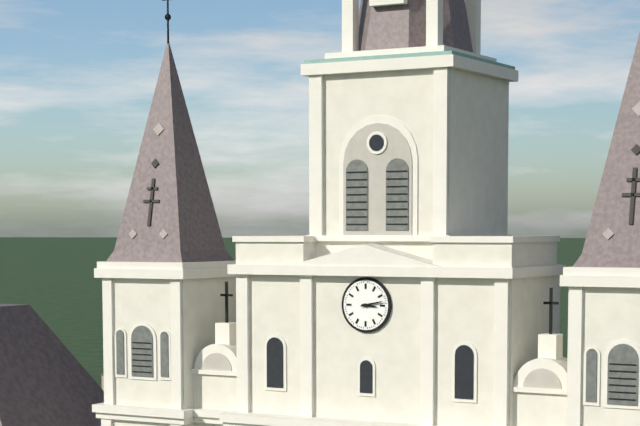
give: {"hour": 3, "minute": 13}
